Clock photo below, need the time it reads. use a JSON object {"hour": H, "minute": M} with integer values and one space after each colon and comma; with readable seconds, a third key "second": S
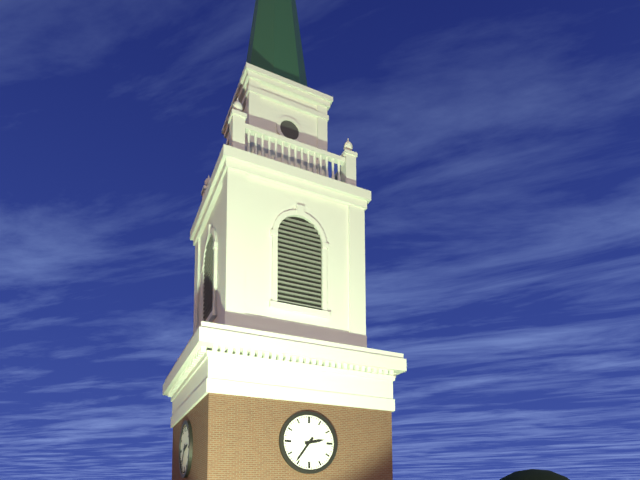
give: {"hour": 2, "minute": 36}
